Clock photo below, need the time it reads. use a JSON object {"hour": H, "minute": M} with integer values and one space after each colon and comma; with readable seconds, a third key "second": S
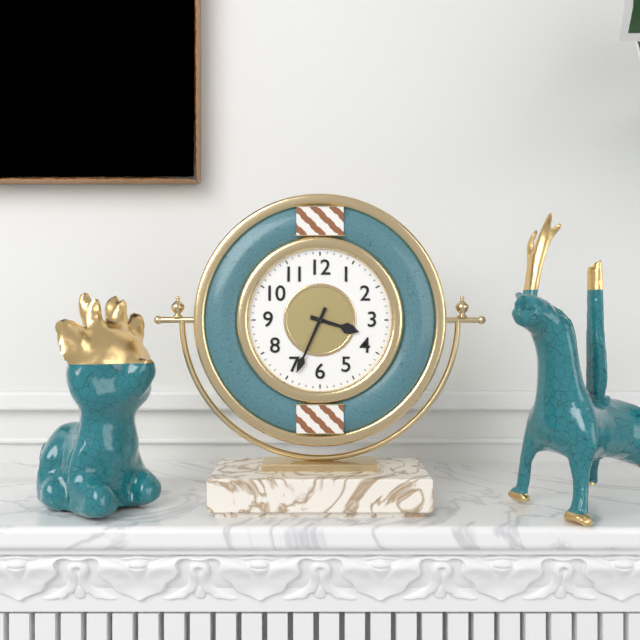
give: {"hour": 3, "minute": 34}
